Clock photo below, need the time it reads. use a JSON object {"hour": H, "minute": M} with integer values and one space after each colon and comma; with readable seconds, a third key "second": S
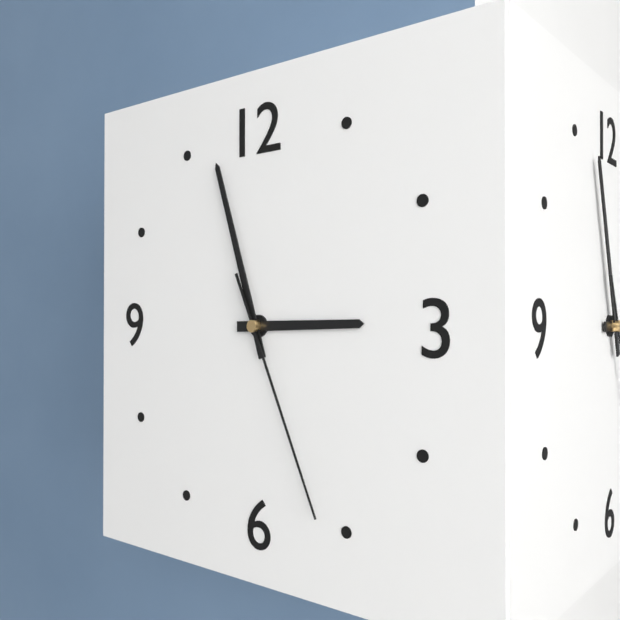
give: {"hour": 2, "minute": 57, "second": 26}
